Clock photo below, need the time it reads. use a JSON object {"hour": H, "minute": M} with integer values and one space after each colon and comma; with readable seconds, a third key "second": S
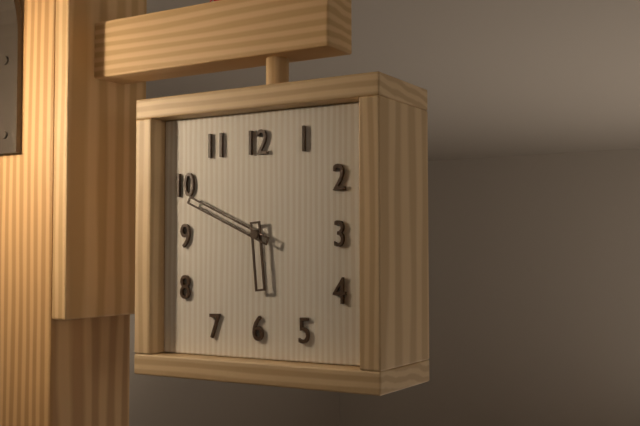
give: {"hour": 5, "minute": 49}
